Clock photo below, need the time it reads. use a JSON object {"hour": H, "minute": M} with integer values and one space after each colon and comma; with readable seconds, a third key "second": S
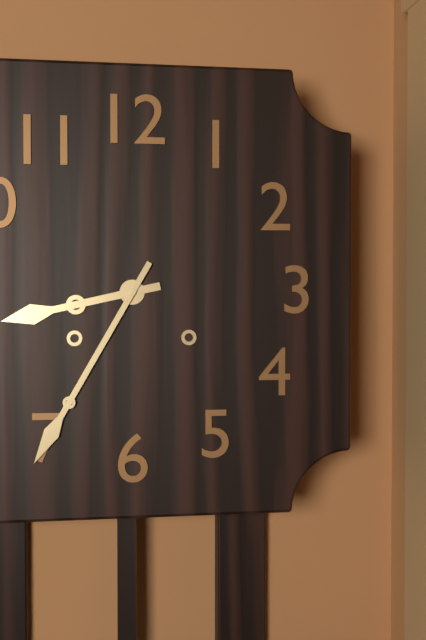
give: {"hour": 8, "minute": 35}
